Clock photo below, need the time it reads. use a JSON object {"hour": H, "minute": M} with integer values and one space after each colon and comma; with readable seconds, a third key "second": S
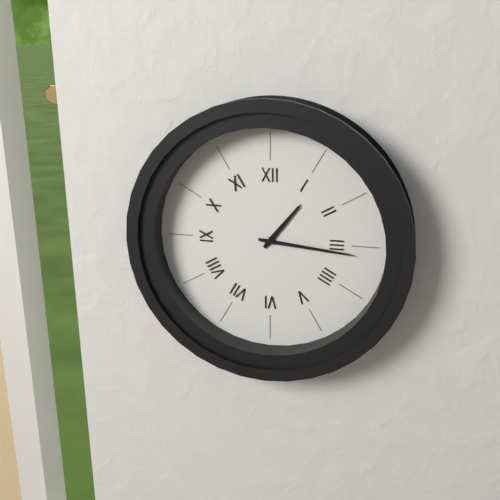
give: {"hour": 1, "minute": 16}
